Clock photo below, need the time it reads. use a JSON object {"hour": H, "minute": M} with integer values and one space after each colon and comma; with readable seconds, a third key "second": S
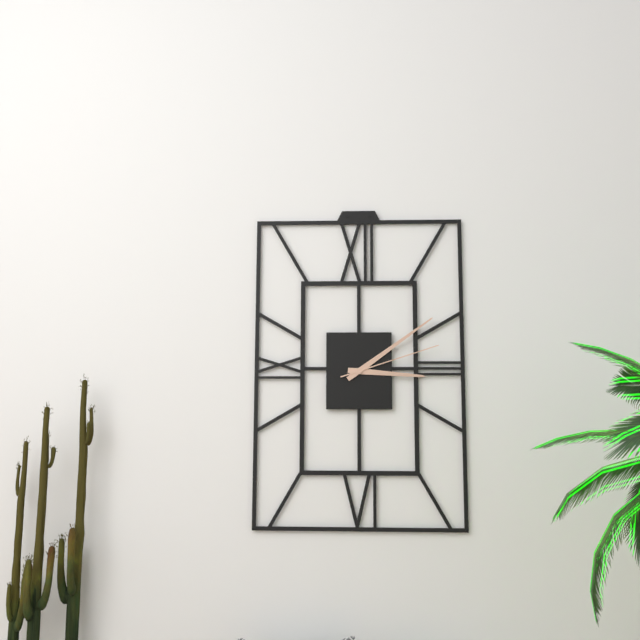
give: {"hour": 3, "minute": 9, "second": 12}
